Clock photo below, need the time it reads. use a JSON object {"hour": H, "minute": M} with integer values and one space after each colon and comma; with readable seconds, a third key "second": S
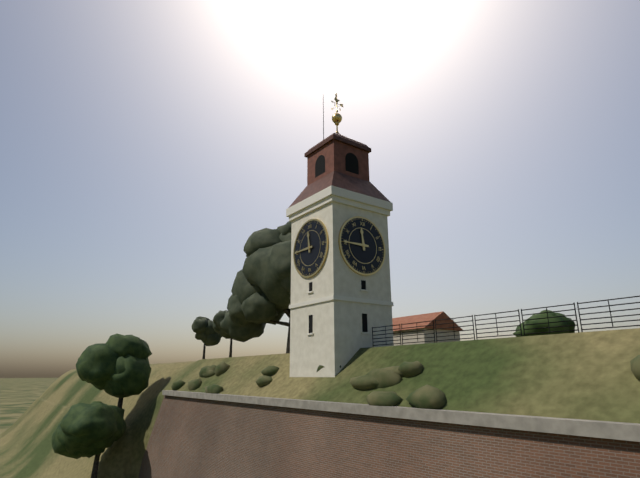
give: {"hour": 11, "minute": 45}
